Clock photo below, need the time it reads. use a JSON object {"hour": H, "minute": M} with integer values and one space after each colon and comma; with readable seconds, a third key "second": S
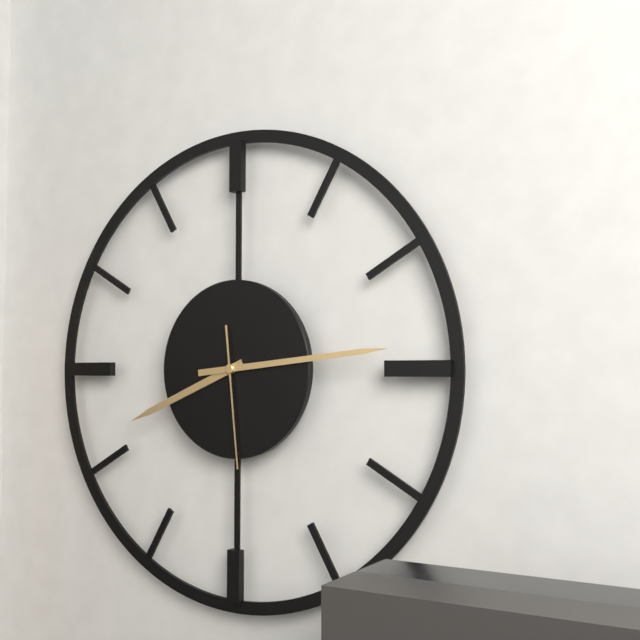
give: {"hour": 8, "minute": 14, "second": 29}
